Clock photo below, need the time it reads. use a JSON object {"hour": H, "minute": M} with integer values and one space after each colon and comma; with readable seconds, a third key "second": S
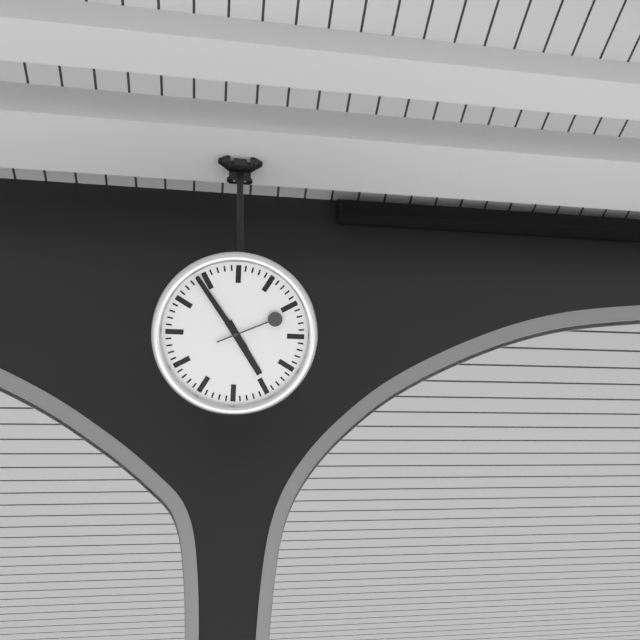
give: {"hour": 4, "minute": 54, "second": 11}
